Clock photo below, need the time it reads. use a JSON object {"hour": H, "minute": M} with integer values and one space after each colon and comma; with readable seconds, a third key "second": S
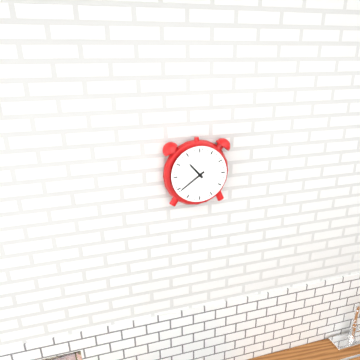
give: {"hour": 10, "minute": 39}
